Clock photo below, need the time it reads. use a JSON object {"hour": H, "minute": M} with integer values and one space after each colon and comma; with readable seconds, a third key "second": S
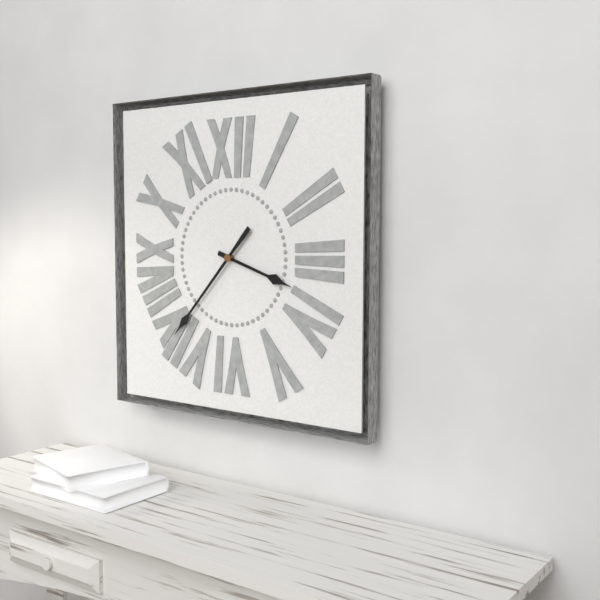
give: {"hour": 3, "minute": 37}
